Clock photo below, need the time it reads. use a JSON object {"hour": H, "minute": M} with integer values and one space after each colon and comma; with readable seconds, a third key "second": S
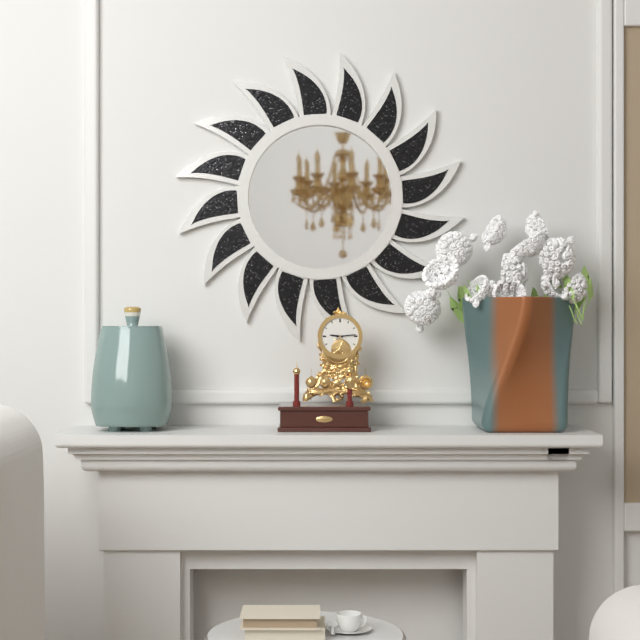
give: {"hour": 9, "minute": 14}
